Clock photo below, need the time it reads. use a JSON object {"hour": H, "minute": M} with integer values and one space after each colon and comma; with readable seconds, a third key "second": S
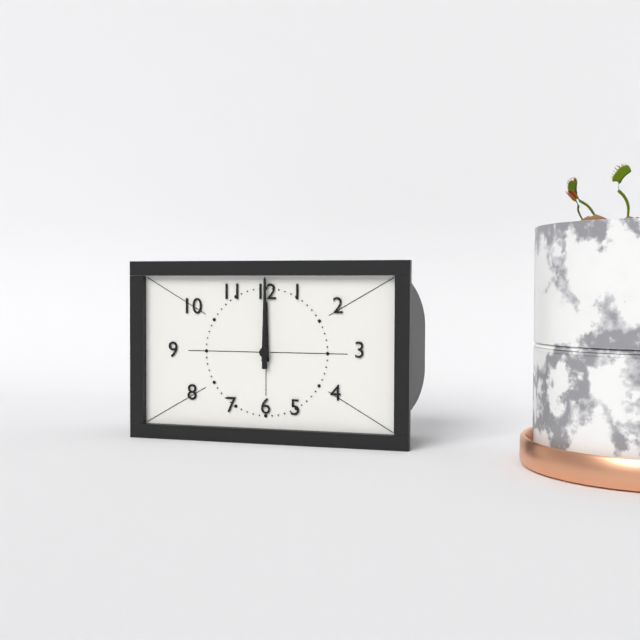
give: {"hour": 12, "minute": 0}
